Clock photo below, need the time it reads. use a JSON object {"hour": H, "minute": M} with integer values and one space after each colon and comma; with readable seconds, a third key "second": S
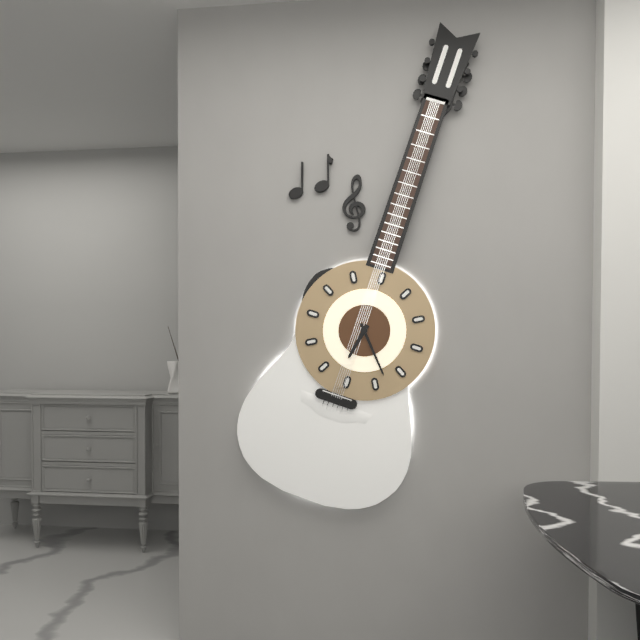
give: {"hour": 6, "minute": 23}
